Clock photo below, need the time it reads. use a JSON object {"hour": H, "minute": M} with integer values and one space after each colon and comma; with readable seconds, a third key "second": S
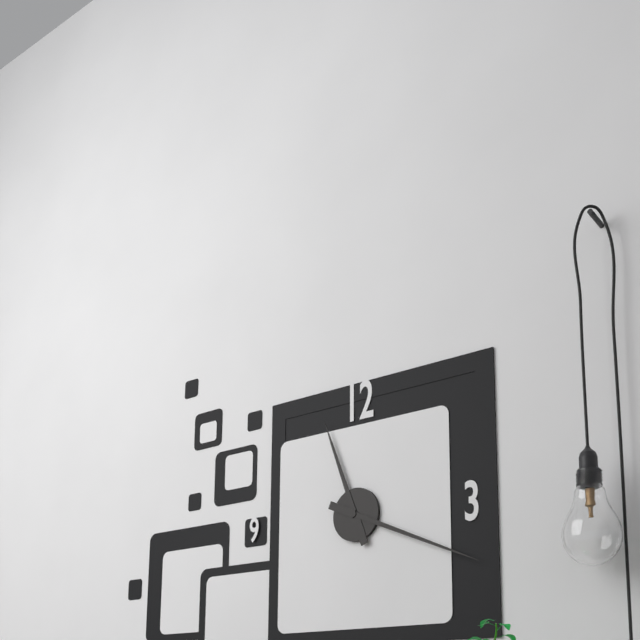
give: {"hour": 11, "minute": 19}
